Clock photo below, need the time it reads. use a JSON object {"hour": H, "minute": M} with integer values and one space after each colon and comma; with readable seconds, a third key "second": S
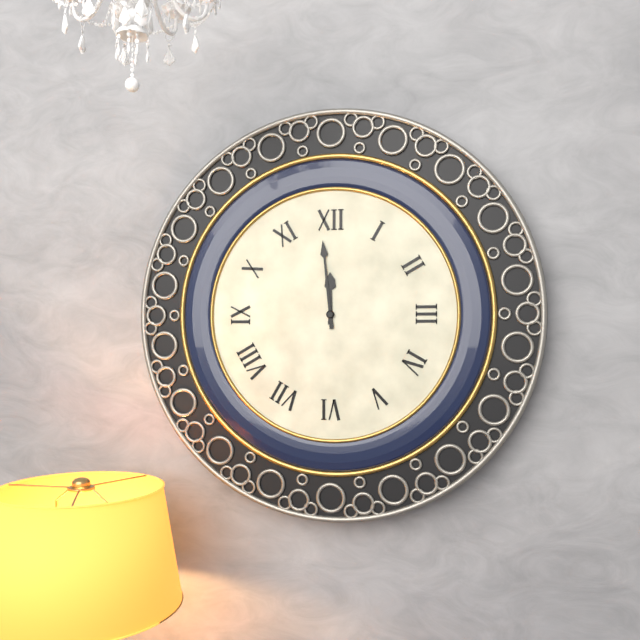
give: {"hour": 11, "minute": 59}
